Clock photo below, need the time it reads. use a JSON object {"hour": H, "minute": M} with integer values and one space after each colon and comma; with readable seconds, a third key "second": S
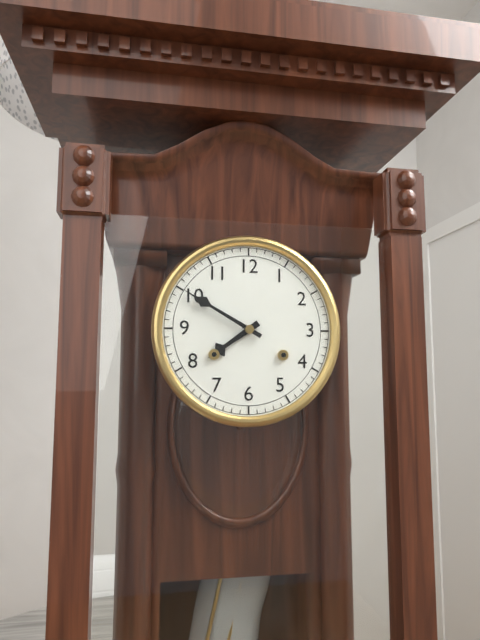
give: {"hour": 7, "minute": 50}
